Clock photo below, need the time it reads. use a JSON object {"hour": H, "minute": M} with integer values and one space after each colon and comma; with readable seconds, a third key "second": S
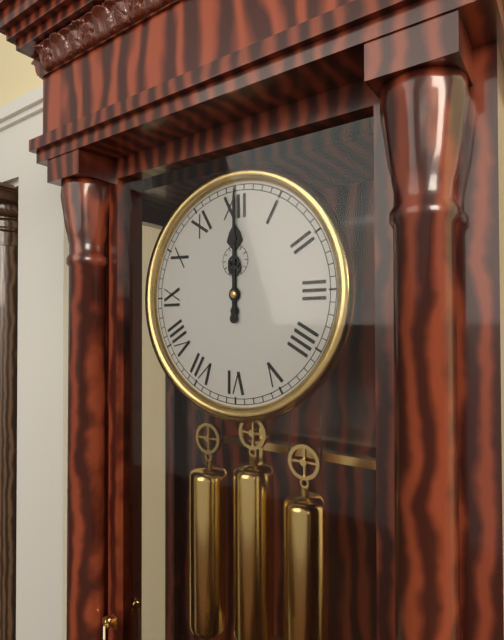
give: {"hour": 12, "minute": 0}
